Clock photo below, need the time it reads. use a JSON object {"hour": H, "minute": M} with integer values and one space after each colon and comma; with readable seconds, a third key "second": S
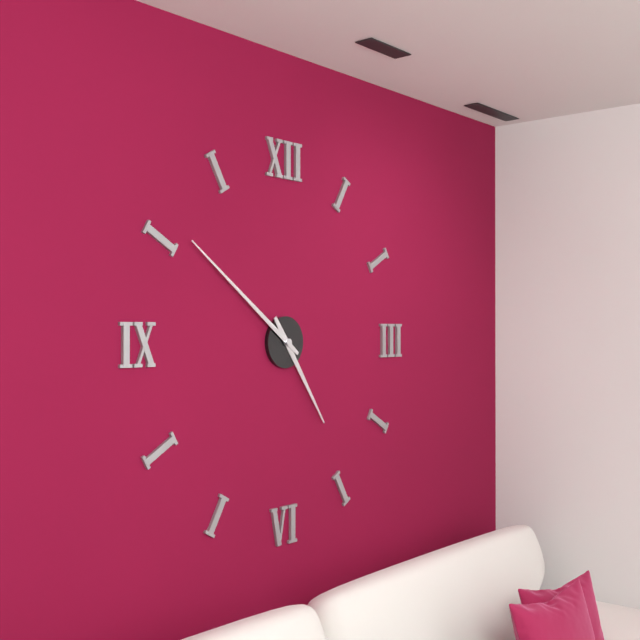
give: {"hour": 4, "minute": 51}
